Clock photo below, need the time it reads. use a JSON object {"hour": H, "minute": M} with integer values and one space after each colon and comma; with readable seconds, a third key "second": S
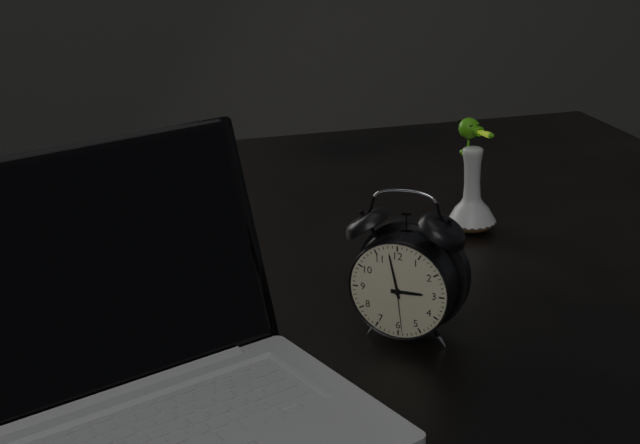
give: {"hour": 2, "minute": 58, "second": 29}
